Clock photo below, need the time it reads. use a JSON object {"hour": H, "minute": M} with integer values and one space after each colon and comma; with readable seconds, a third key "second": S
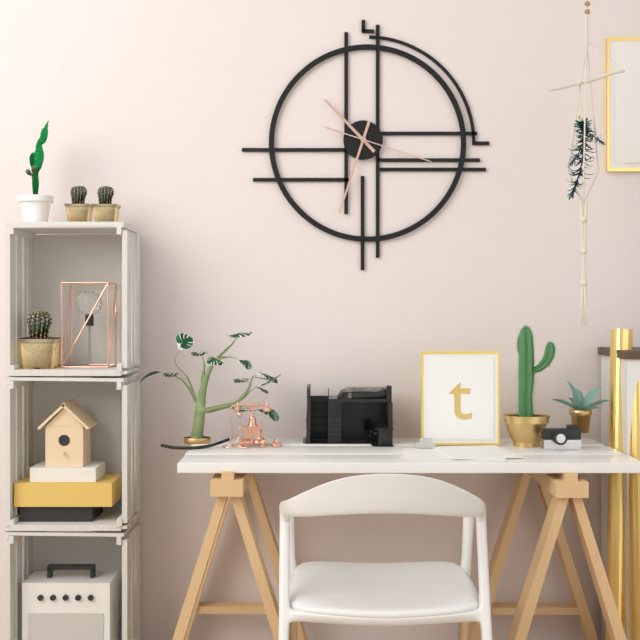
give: {"hour": 10, "minute": 33, "second": 18}
